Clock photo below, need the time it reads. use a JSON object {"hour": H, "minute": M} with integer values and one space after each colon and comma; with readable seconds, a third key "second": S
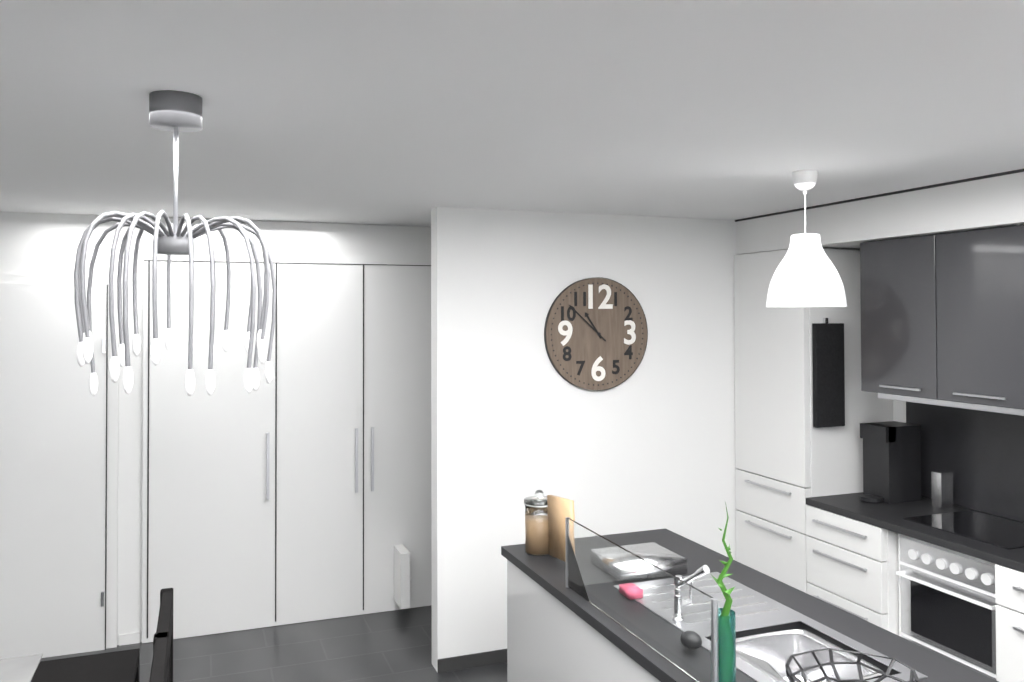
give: {"hour": 10, "minute": 52}
